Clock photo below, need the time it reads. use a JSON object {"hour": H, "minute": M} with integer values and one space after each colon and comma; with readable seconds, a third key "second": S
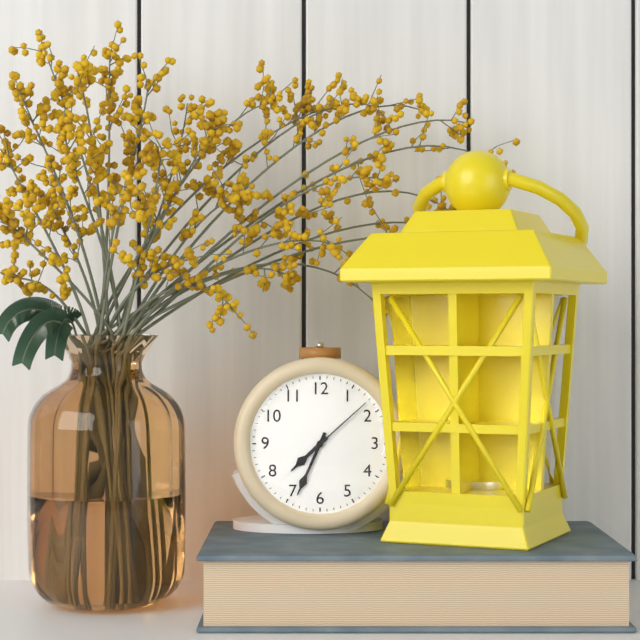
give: {"hour": 7, "minute": 34, "second": 8}
